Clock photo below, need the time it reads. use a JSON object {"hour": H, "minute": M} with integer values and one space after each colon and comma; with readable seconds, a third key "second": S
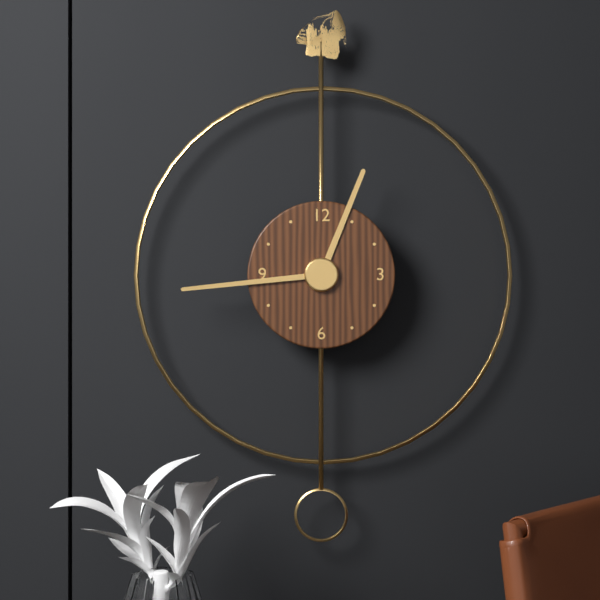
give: {"hour": 12, "minute": 44}
